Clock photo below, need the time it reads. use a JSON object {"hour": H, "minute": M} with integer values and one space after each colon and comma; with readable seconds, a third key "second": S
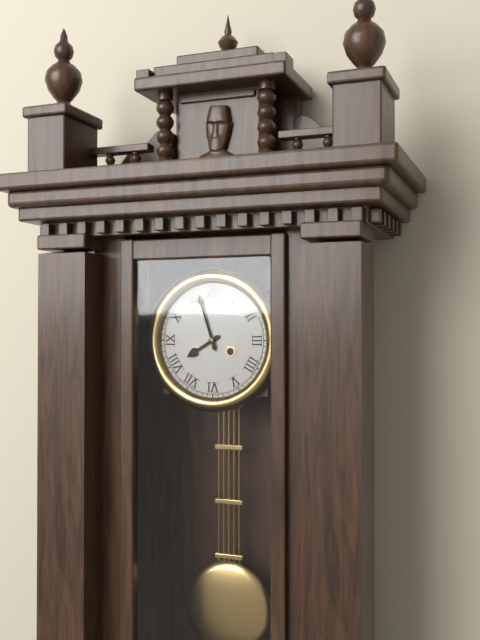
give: {"hour": 7, "minute": 57}
